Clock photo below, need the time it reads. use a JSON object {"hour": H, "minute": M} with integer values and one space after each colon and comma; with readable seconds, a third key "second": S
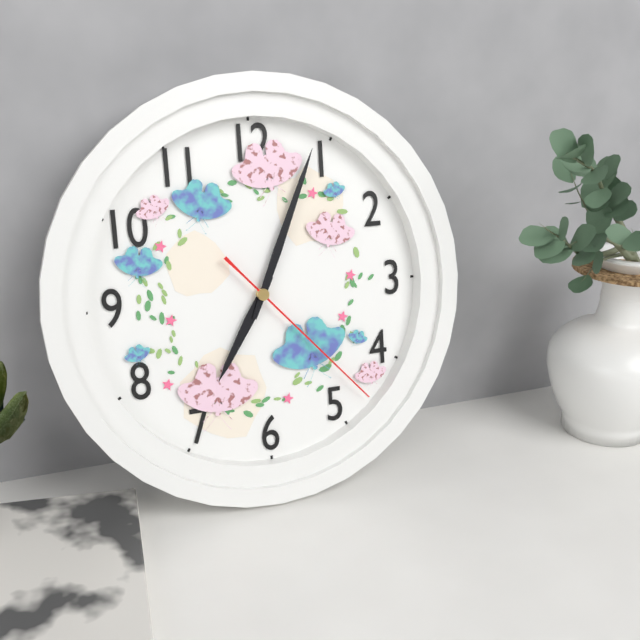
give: {"hour": 7, "minute": 4, "second": 23}
